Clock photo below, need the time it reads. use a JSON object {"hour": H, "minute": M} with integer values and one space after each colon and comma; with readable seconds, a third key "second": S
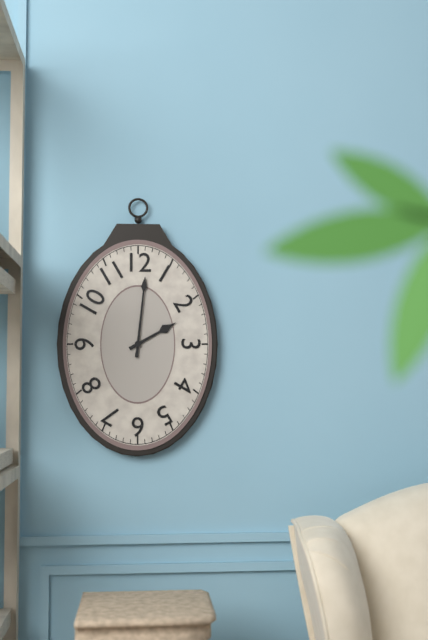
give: {"hour": 2, "minute": 1}
